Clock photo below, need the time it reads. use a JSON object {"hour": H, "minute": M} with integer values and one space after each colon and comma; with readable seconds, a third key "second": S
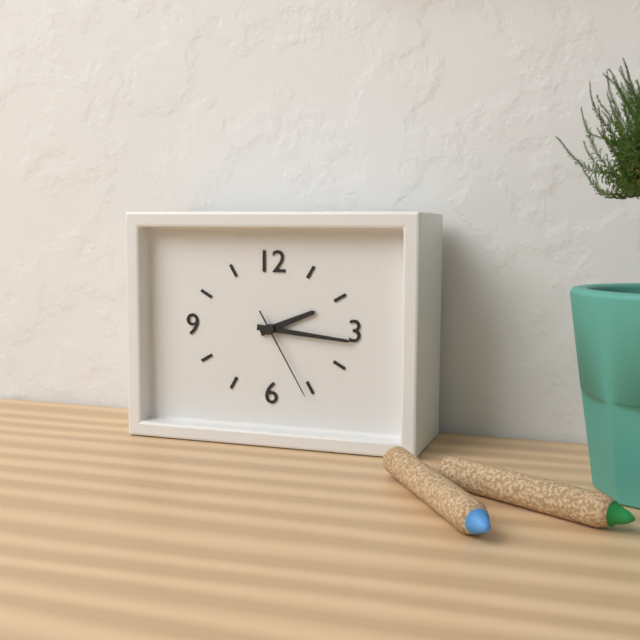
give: {"hour": 2, "minute": 16, "second": 25}
